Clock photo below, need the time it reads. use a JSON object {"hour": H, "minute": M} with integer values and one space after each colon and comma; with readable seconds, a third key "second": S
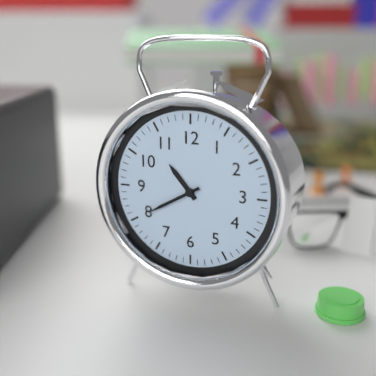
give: {"hour": 10, "minute": 40}
